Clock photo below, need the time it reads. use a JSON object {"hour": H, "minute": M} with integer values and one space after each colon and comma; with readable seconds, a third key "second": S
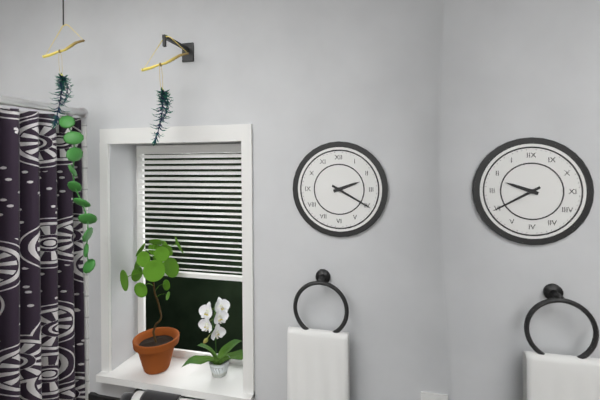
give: {"hour": 2, "minute": 20}
